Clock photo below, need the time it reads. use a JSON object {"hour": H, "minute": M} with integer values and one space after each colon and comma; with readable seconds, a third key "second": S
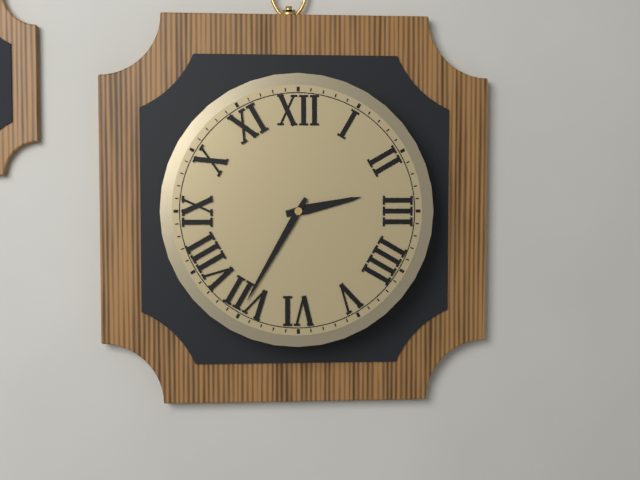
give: {"hour": 2, "minute": 35}
